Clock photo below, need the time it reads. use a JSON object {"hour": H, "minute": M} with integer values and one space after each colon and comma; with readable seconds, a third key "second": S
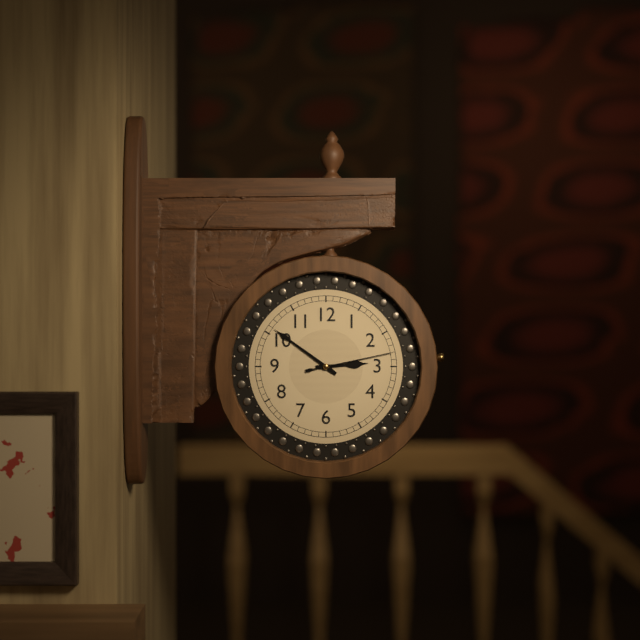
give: {"hour": 2, "minute": 51, "second": 13}
